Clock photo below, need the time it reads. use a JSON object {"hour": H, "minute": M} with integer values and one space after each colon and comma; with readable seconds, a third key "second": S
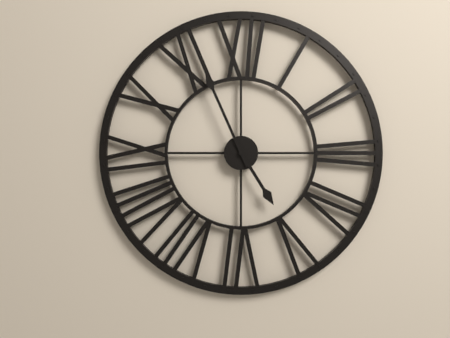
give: {"hour": 4, "minute": 56}
